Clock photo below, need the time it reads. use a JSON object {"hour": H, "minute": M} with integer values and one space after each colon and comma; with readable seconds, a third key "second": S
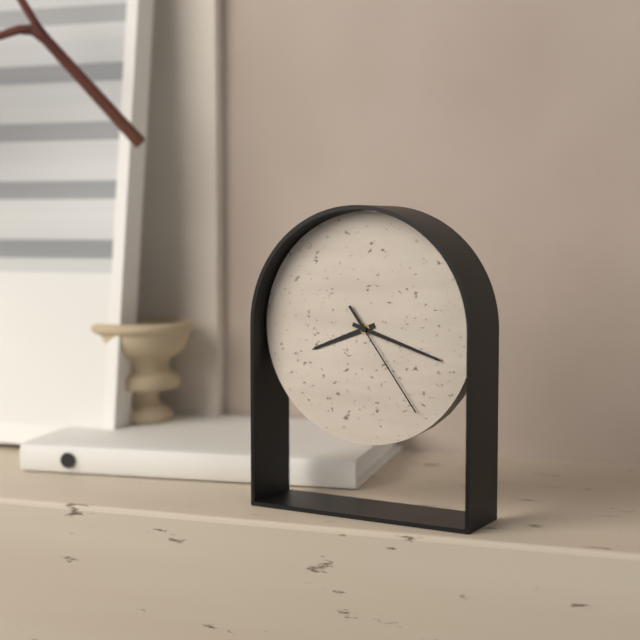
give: {"hour": 8, "minute": 18, "second": 24}
